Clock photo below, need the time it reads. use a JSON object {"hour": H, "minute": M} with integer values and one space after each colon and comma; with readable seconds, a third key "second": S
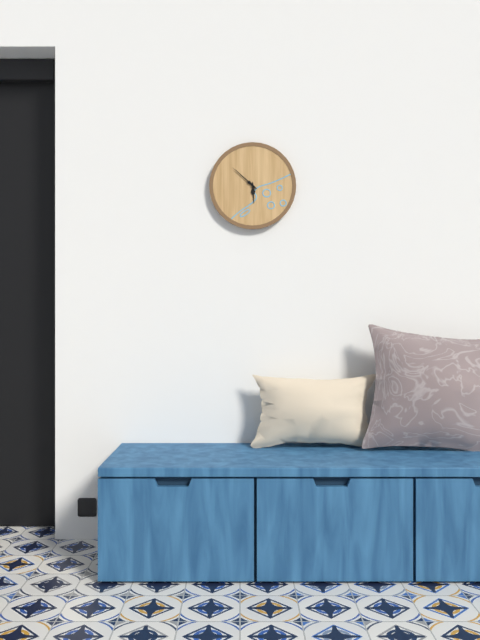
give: {"hour": 5, "minute": 52}
